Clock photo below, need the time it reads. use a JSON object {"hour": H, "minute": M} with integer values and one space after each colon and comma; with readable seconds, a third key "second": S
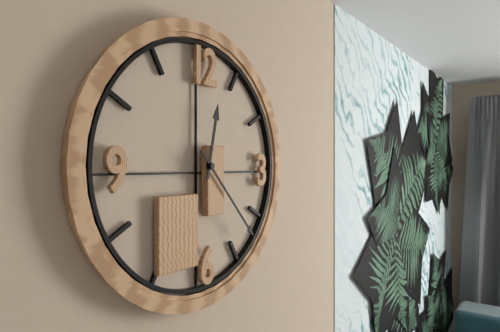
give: {"hour": 12, "minute": 23}
